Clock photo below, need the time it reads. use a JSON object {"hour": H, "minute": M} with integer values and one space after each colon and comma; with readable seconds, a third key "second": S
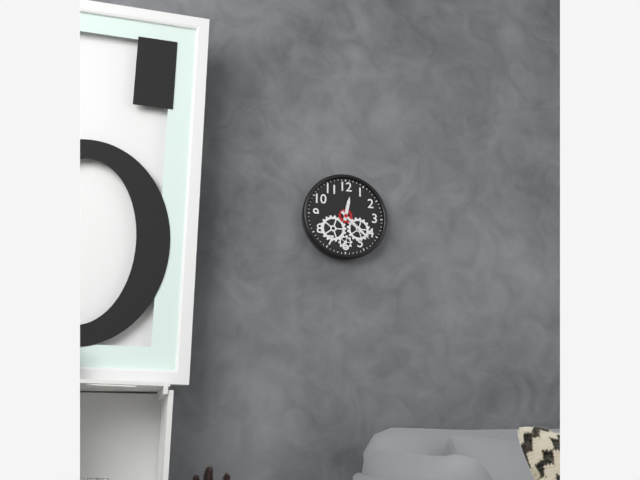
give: {"hour": 12, "minute": 22}
